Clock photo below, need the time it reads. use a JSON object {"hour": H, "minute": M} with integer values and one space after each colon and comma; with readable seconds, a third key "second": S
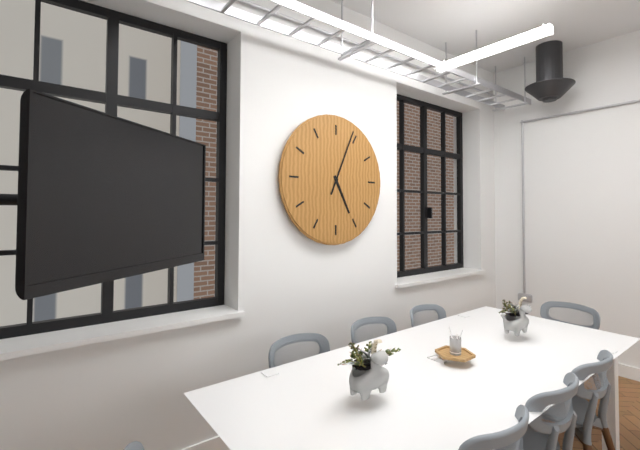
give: {"hour": 5, "minute": 4}
